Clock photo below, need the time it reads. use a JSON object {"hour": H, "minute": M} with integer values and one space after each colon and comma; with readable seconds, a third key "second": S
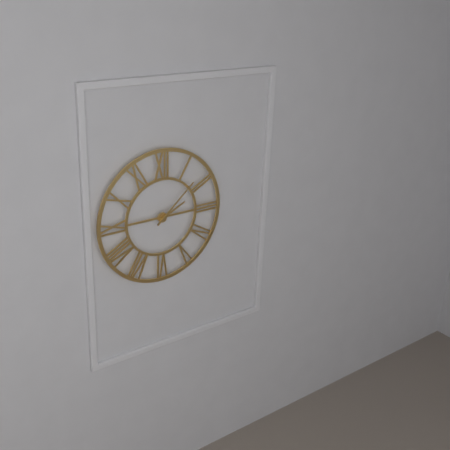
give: {"hour": 2, "minute": 8}
